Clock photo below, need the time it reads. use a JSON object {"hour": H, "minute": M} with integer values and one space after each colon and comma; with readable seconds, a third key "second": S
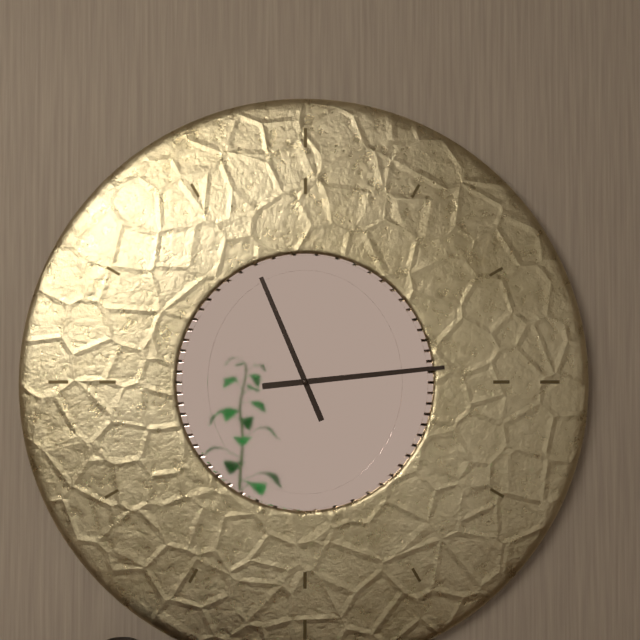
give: {"hour": 11, "minute": 14}
